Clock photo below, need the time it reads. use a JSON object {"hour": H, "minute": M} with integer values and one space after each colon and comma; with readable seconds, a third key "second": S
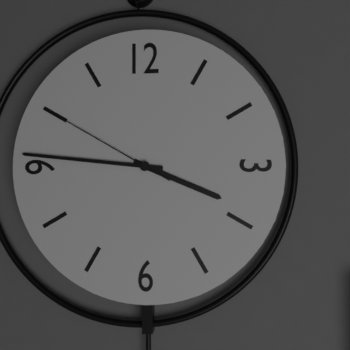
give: {"hour": 3, "minute": 46, "second": 50}
